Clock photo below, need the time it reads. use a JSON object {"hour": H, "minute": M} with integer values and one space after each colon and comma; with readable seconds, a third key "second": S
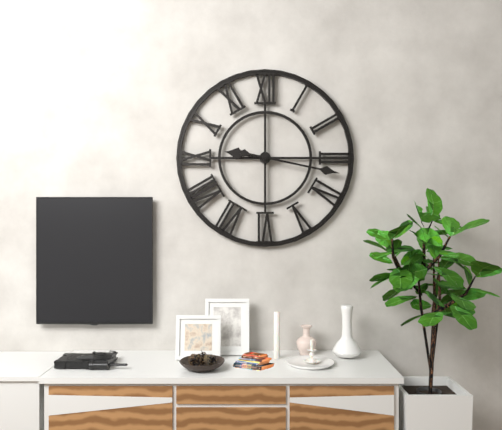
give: {"hour": 9, "minute": 17}
